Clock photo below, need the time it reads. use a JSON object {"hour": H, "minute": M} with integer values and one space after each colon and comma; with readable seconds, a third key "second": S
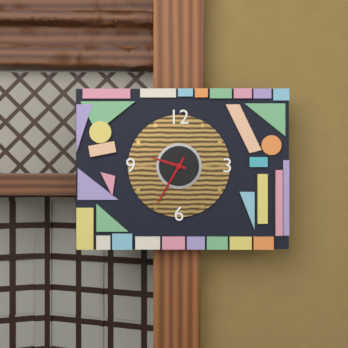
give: {"hour": 9, "minute": 35}
